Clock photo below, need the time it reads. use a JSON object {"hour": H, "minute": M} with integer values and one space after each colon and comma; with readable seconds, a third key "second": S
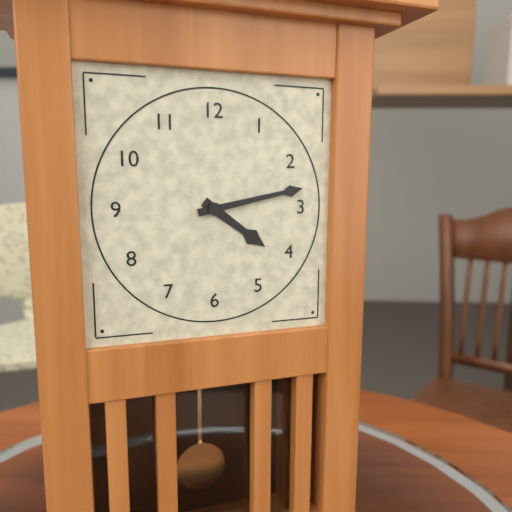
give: {"hour": 4, "minute": 13}
